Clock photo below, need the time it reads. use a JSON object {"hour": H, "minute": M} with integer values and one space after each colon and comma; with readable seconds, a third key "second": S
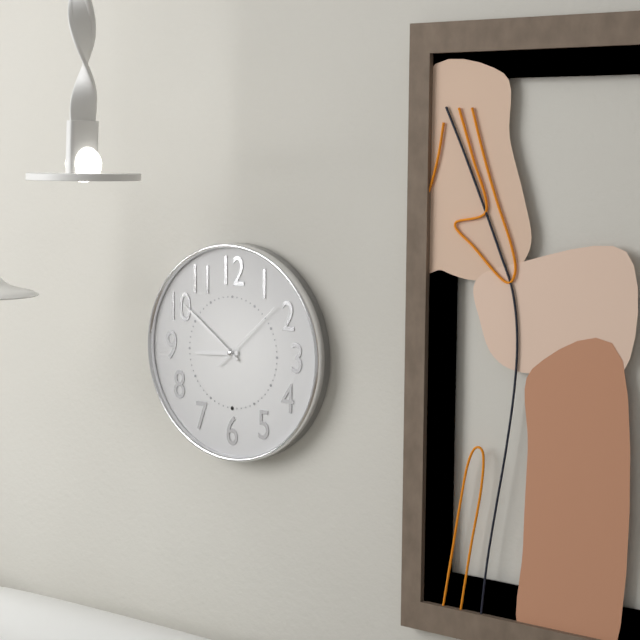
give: {"hour": 8, "minute": 51, "second": 8}
